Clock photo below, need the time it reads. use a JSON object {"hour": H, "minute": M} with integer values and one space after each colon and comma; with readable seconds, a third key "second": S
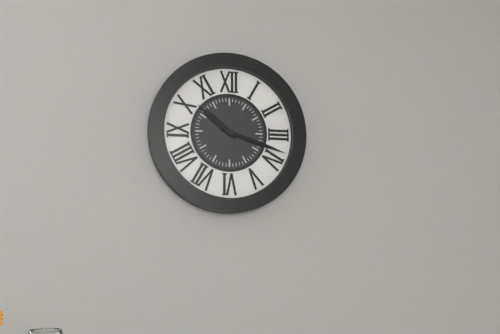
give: {"hour": 10, "minute": 18}
